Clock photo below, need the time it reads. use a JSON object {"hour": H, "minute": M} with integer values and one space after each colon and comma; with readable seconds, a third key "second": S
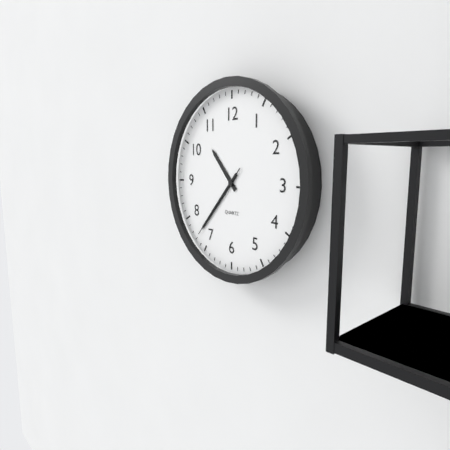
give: {"hour": 10, "minute": 37, "second": 37}
